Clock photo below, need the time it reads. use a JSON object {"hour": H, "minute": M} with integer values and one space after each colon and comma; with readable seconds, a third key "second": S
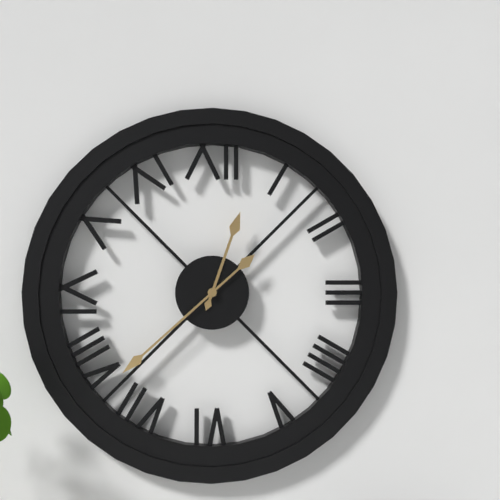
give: {"hour": 12, "minute": 38}
